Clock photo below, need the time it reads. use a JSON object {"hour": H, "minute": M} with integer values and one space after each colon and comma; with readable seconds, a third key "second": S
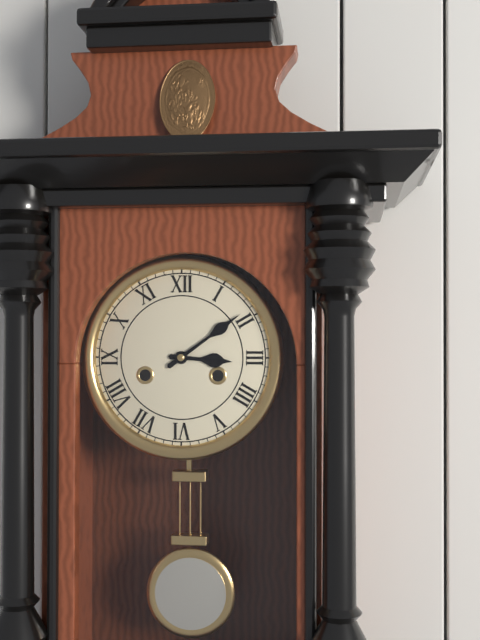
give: {"hour": 3, "minute": 9}
